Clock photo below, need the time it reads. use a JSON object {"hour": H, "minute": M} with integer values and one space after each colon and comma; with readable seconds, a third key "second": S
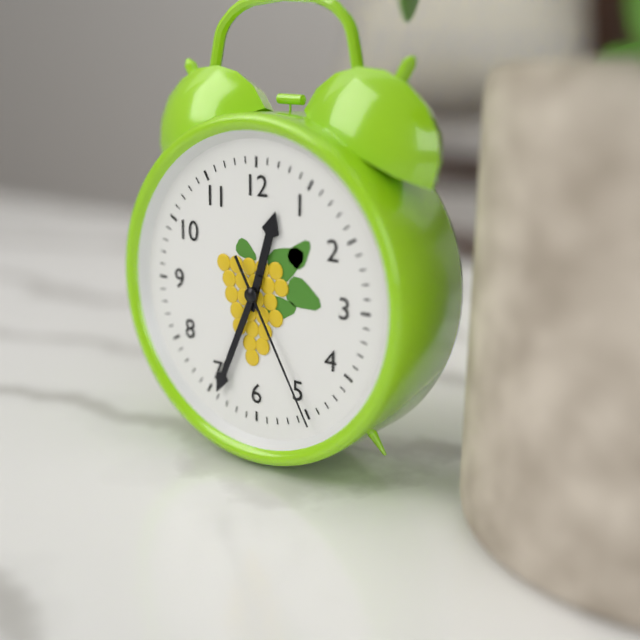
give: {"hour": 12, "minute": 34, "second": 25}
